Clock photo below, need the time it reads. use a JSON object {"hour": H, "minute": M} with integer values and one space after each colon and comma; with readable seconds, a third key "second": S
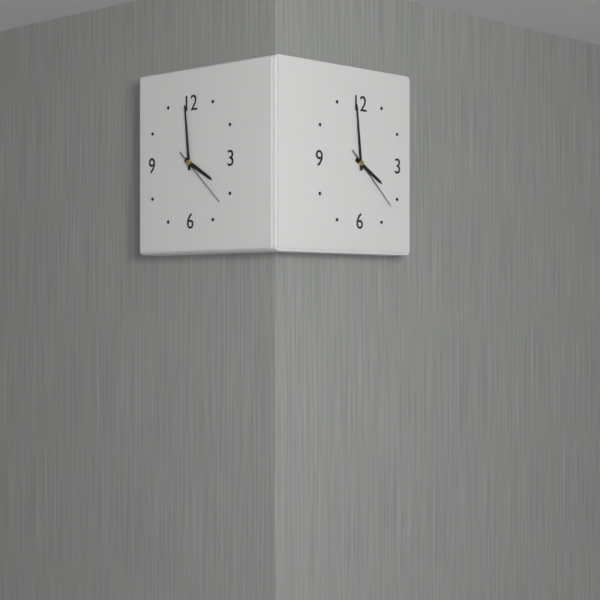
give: {"hour": 3, "minute": 59, "second": 22}
